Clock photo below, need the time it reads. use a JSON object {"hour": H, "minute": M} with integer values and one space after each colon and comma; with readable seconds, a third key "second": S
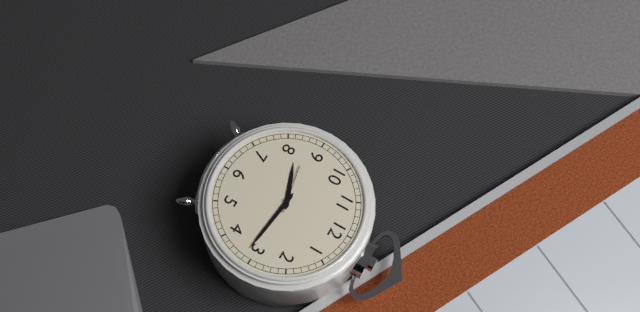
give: {"hour": 8, "minute": 16}
